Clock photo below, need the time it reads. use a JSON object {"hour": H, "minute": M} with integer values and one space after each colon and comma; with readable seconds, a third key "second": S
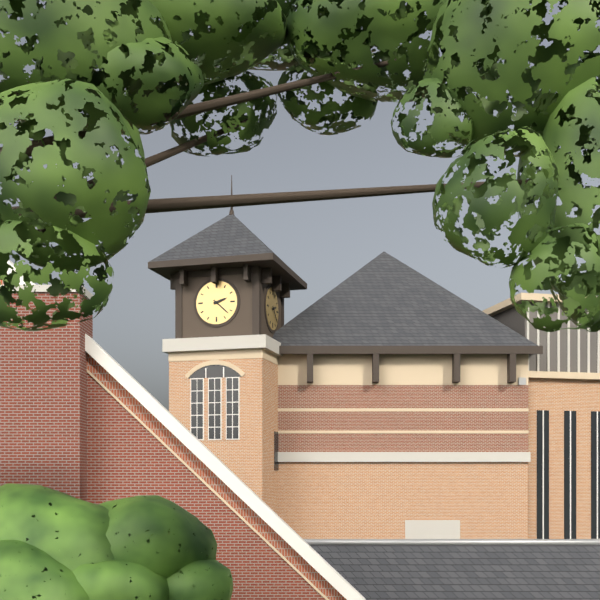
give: {"hour": 2, "minute": 22}
